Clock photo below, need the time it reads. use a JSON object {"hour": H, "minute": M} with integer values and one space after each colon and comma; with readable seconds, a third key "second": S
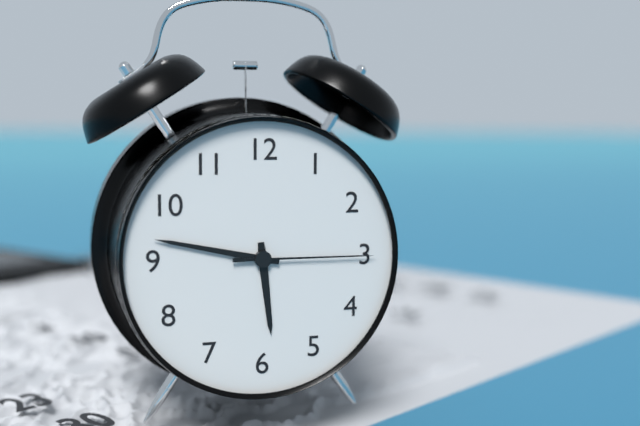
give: {"hour": 5, "minute": 47, "second": 15}
